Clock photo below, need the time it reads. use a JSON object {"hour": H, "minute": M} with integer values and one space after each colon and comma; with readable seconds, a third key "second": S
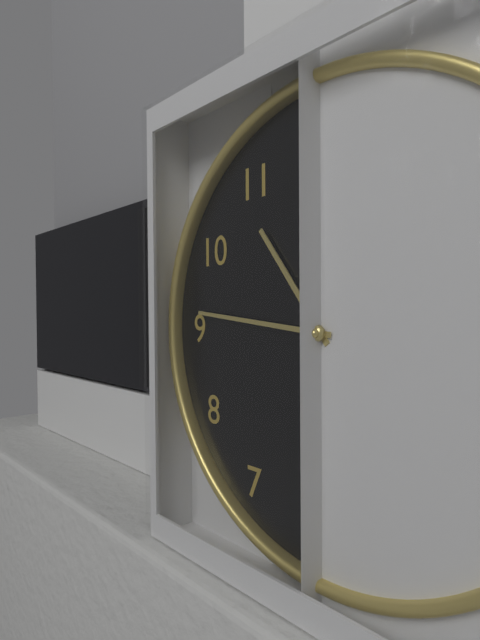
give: {"hour": 10, "minute": 46}
